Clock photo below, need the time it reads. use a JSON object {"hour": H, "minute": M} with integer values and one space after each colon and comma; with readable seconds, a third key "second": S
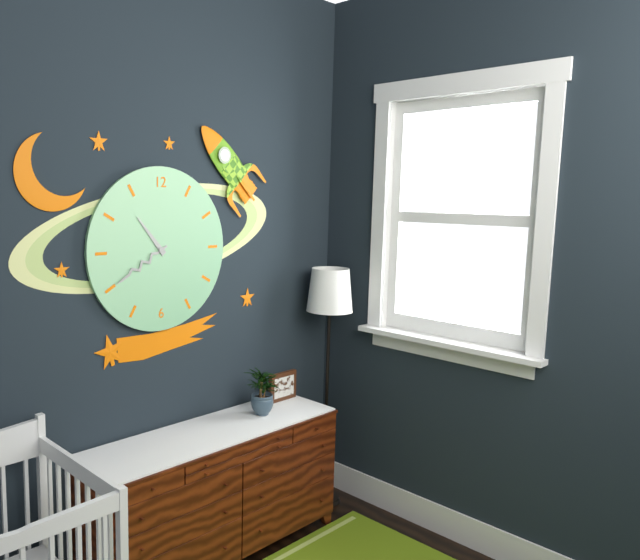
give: {"hour": 10, "minute": 40}
